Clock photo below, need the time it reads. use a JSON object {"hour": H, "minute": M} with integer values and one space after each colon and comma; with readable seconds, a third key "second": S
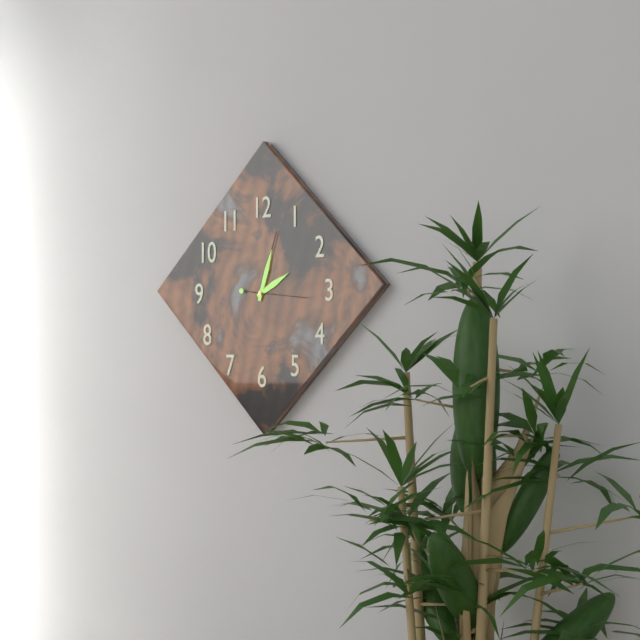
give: {"hour": 2, "minute": 3, "second": 16}
